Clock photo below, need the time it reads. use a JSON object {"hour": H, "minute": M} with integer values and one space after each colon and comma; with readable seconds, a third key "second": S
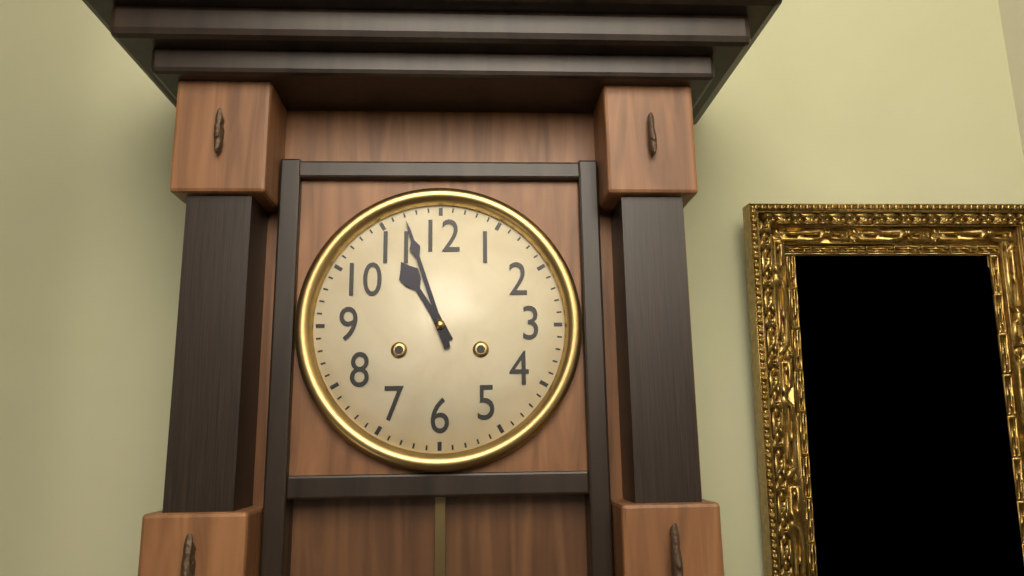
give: {"hour": 10, "minute": 57}
